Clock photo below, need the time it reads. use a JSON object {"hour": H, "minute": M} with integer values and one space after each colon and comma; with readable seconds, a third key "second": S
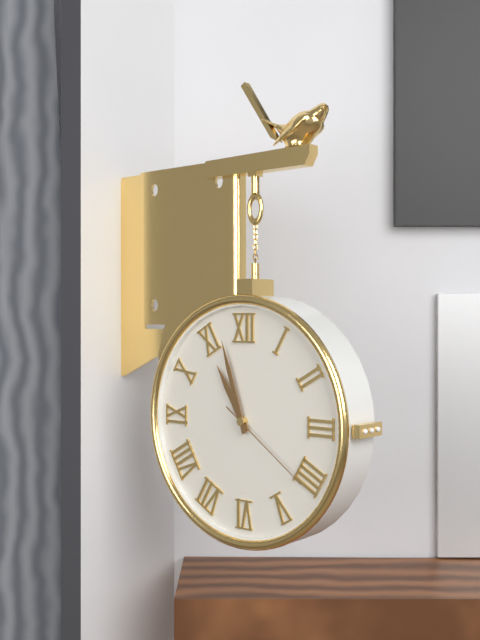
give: {"hour": 10, "minute": 57, "second": 21}
